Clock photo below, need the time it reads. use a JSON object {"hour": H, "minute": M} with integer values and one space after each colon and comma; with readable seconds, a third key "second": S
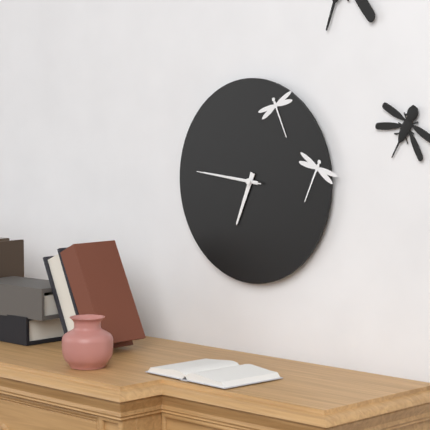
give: {"hour": 6, "minute": 46, "second": 46}
